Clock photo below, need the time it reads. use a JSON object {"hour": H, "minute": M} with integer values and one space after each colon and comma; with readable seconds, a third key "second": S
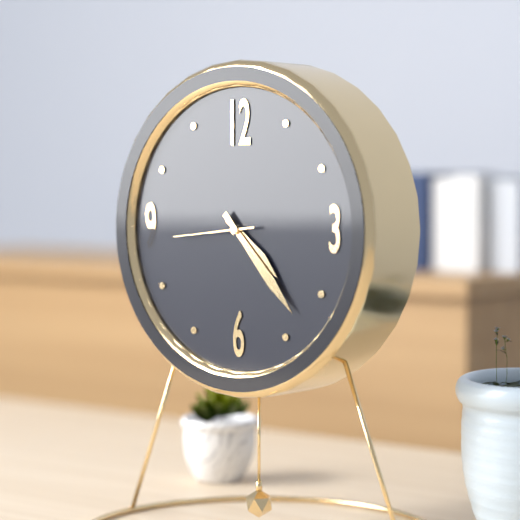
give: {"hour": 4, "minute": 23, "second": 44}
